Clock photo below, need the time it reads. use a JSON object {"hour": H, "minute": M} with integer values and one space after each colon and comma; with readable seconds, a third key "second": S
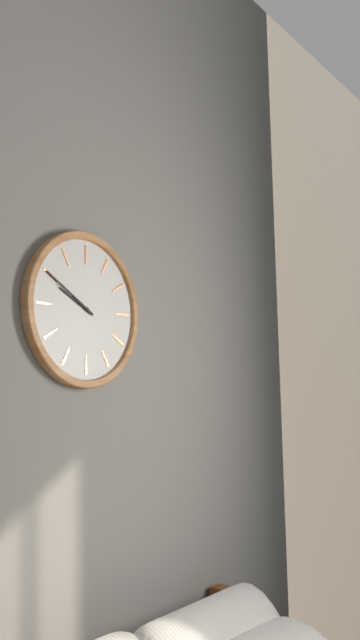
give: {"hour": 9, "minute": 50}
